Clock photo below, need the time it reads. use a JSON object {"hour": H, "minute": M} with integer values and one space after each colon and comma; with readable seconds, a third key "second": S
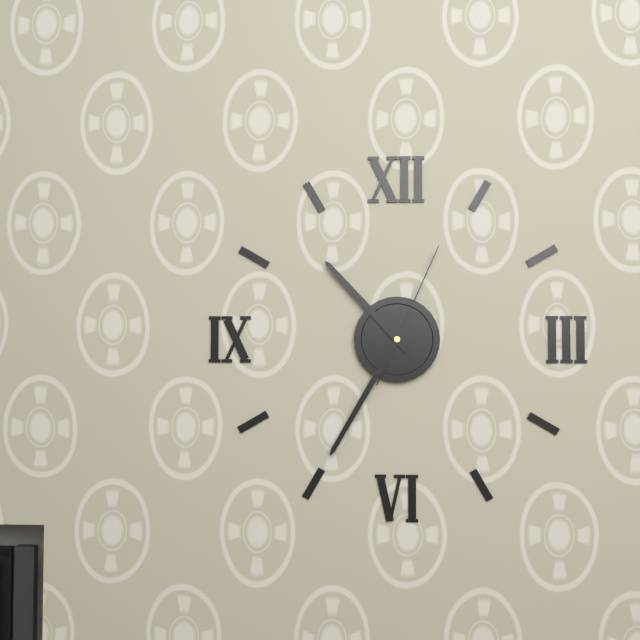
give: {"hour": 10, "minute": 35, "second": 4}
